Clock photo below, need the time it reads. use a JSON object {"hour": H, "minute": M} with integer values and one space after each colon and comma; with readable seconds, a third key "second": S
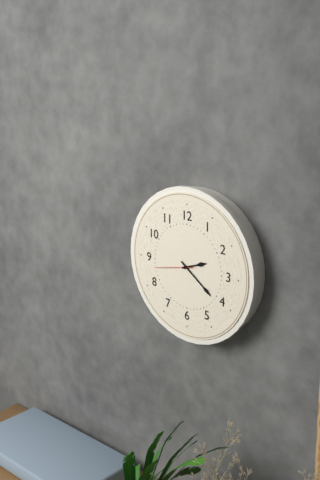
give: {"hour": 2, "minute": 21}
